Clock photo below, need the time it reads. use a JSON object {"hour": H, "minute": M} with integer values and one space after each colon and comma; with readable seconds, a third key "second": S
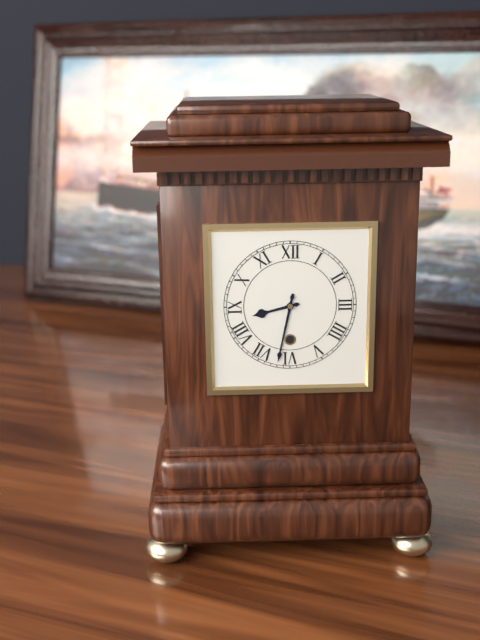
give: {"hour": 8, "minute": 32}
